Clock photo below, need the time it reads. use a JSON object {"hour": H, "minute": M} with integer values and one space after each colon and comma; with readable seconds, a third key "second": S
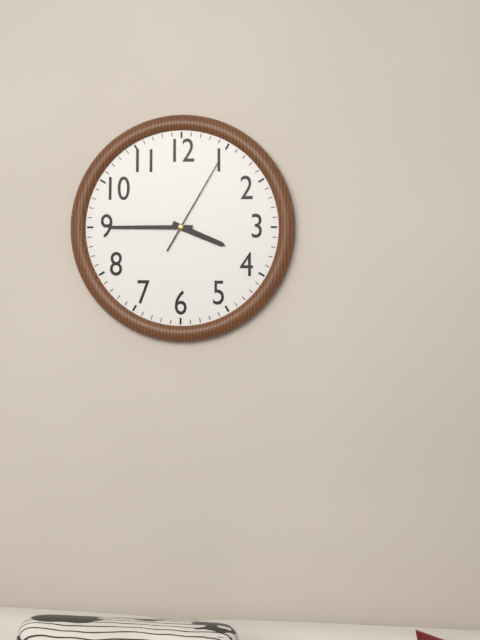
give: {"hour": 3, "minute": 45, "second": 5}
